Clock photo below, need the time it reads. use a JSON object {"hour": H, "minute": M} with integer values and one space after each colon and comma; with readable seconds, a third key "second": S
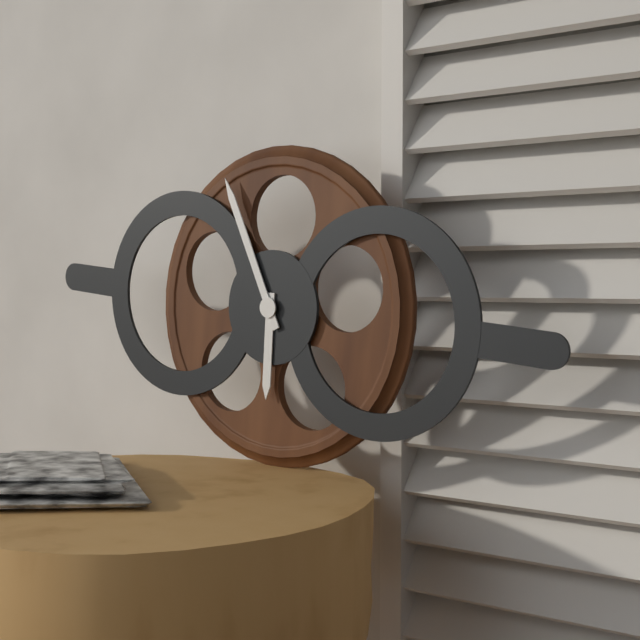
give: {"hour": 5, "minute": 55}
